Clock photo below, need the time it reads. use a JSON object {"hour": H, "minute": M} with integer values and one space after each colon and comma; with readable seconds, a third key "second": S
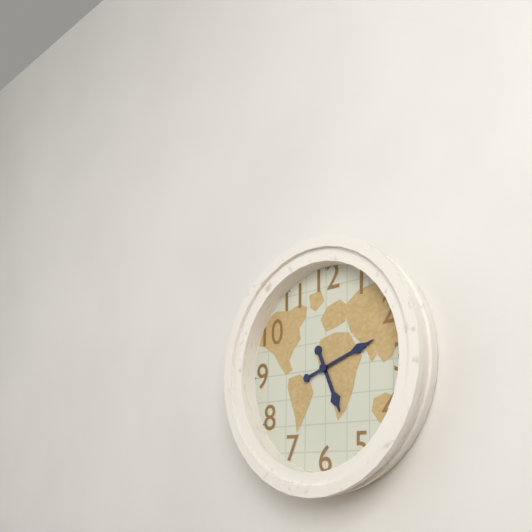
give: {"hour": 5, "minute": 12}
